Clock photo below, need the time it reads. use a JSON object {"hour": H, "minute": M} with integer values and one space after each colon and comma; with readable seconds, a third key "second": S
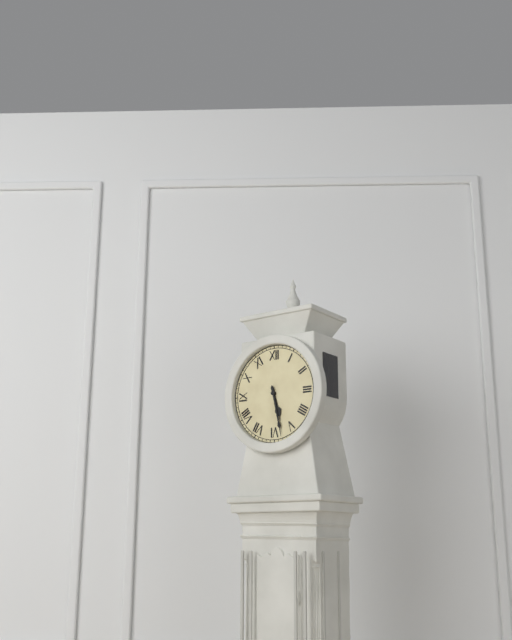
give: {"hour": 5, "minute": 28}
